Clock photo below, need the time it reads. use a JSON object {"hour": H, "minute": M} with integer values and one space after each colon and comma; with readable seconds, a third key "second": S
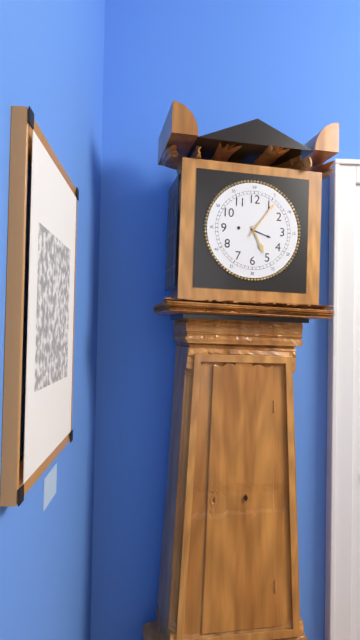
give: {"hour": 5, "minute": 6}
